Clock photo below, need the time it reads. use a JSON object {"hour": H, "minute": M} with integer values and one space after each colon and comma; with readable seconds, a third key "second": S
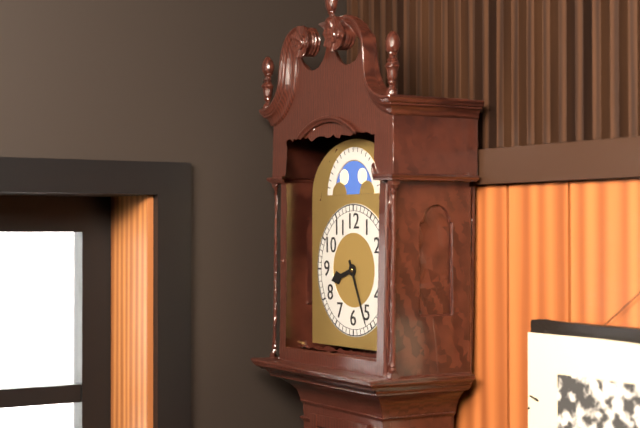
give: {"hour": 8, "minute": 26}
